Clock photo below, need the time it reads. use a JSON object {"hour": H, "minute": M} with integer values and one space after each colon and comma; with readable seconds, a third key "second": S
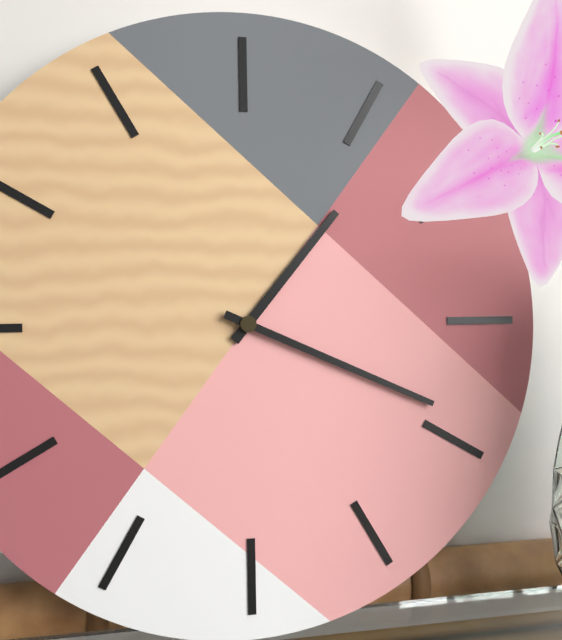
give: {"hour": 1, "minute": 19}
